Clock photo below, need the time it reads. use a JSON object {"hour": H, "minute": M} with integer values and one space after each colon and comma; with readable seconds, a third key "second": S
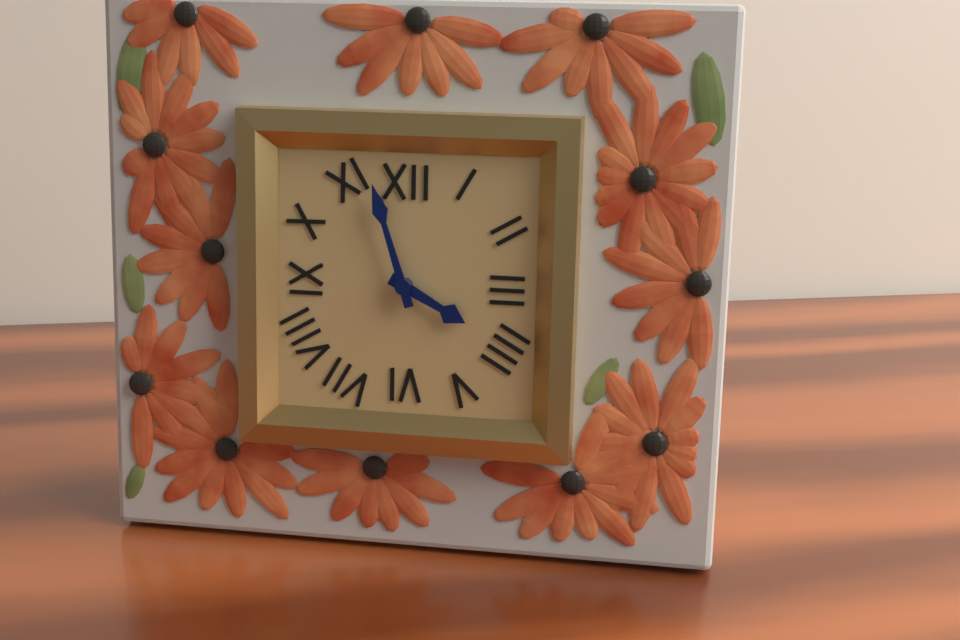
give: {"hour": 3, "minute": 57}
